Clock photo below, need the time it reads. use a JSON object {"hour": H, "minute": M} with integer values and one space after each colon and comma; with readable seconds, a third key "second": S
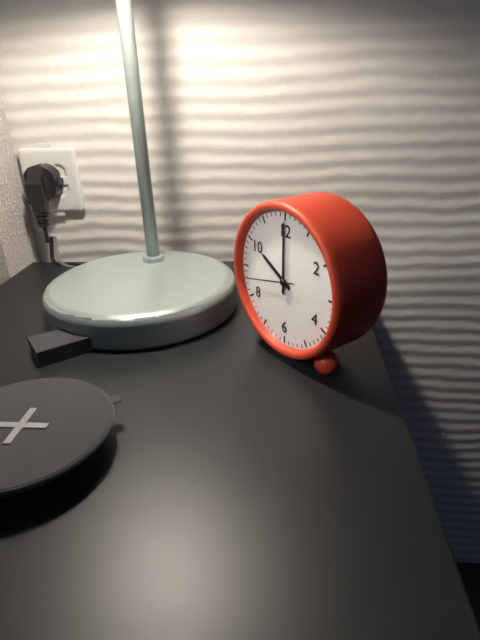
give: {"hour": 10, "minute": 0}
